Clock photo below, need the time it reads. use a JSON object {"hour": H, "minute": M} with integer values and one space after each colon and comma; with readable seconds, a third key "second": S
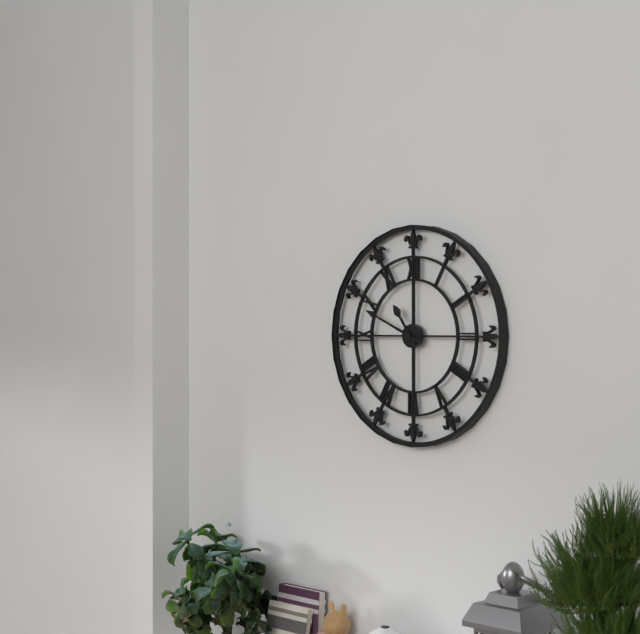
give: {"hour": 10, "minute": 49}
